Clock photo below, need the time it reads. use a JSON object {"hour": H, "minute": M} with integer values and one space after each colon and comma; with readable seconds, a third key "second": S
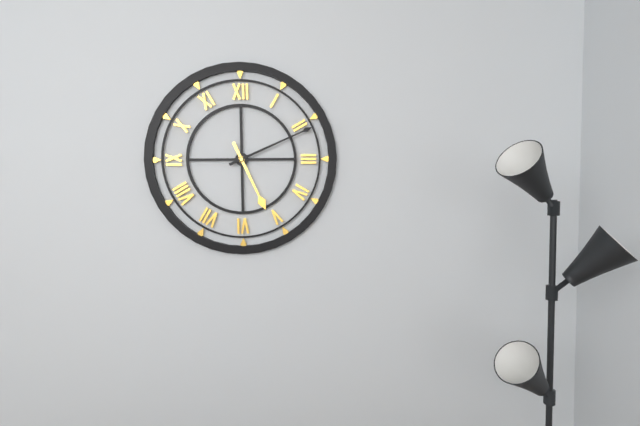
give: {"hour": 5, "minute": 11}
